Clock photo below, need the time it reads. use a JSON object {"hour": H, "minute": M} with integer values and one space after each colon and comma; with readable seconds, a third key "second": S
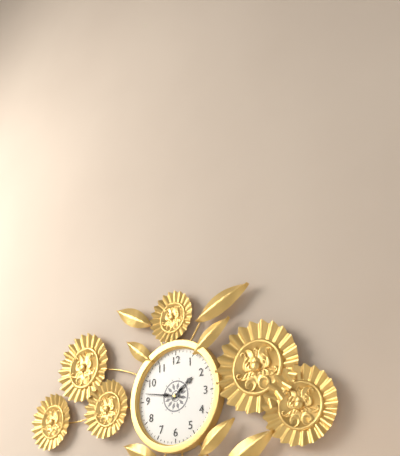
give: {"hour": 1, "minute": 47}
